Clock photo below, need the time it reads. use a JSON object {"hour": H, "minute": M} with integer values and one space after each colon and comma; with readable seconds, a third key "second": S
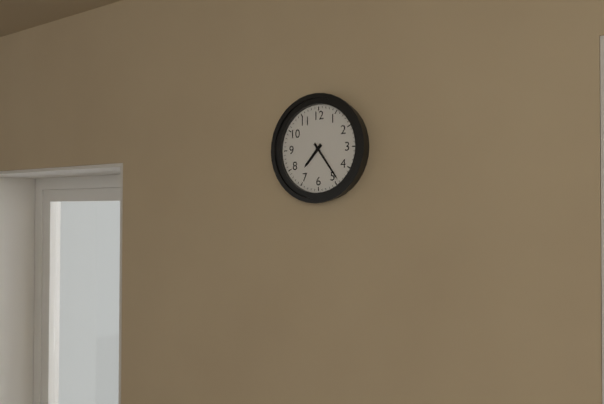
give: {"hour": 7, "minute": 24}
